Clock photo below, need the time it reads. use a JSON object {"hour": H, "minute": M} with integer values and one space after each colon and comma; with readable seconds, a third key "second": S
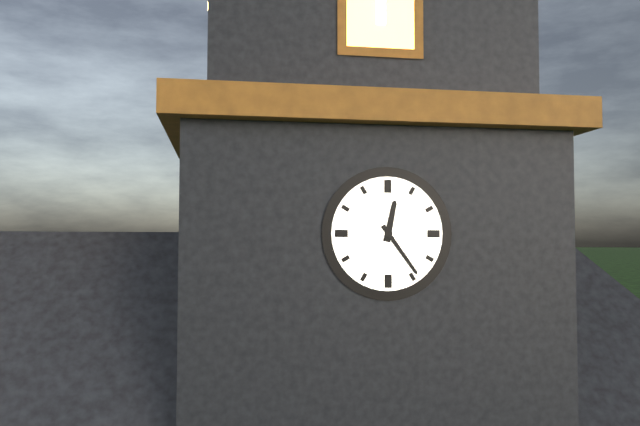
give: {"hour": 12, "minute": 24}
